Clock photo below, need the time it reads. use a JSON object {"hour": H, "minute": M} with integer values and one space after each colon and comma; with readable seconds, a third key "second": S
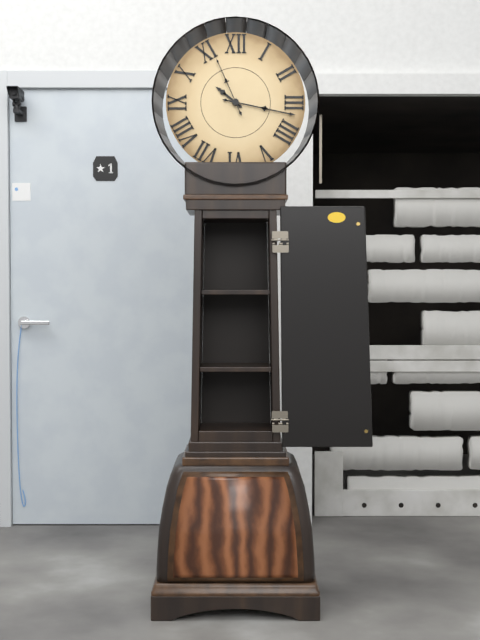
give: {"hour": 10, "minute": 17, "second": 56}
